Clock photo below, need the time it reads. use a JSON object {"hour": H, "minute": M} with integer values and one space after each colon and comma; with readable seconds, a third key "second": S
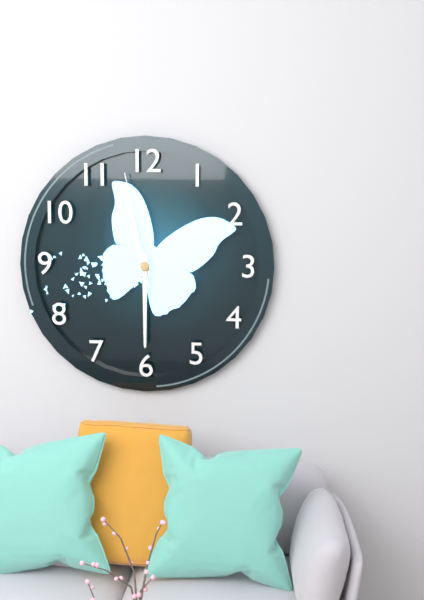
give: {"hour": 11, "minute": 30, "second": 58}
